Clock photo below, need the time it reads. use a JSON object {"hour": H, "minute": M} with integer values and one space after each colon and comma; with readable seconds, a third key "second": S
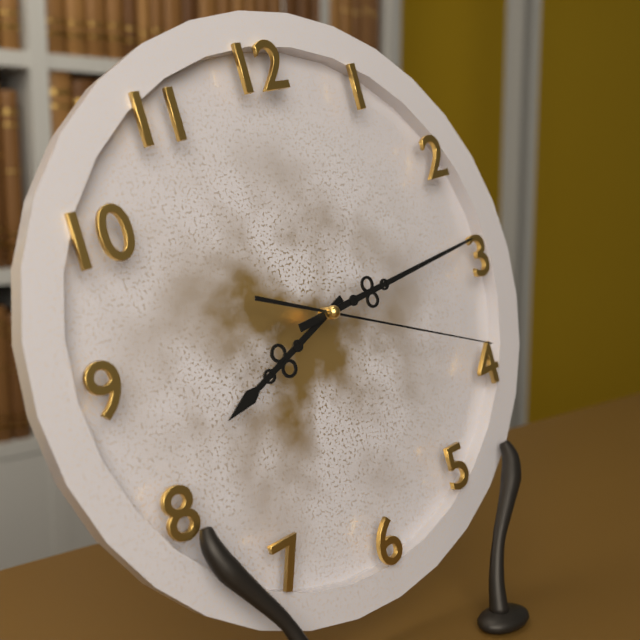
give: {"hour": 8, "minute": 14, "second": 19}
